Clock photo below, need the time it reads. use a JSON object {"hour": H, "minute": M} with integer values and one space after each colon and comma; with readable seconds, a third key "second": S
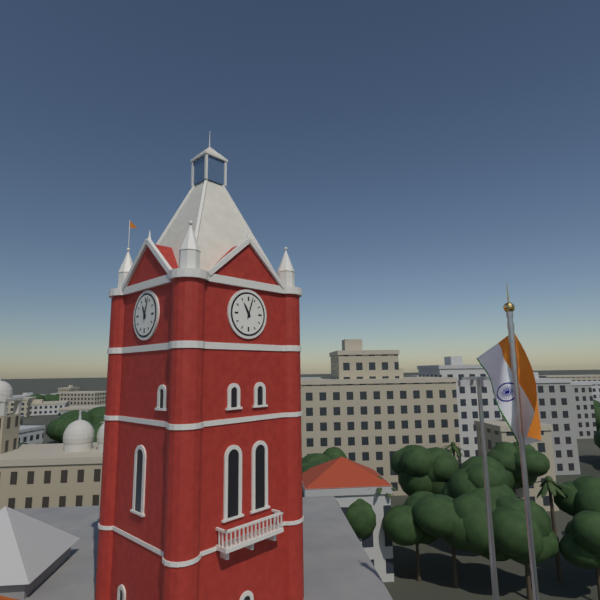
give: {"hour": 11, "minute": 3}
